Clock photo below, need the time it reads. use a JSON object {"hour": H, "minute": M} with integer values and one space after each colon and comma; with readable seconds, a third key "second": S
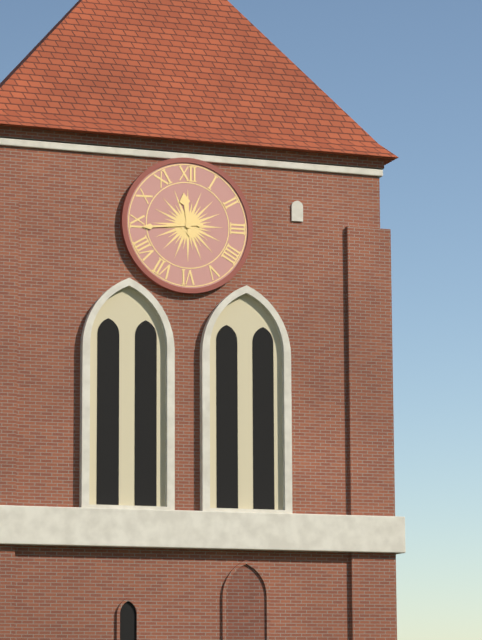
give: {"hour": 11, "minute": 44}
